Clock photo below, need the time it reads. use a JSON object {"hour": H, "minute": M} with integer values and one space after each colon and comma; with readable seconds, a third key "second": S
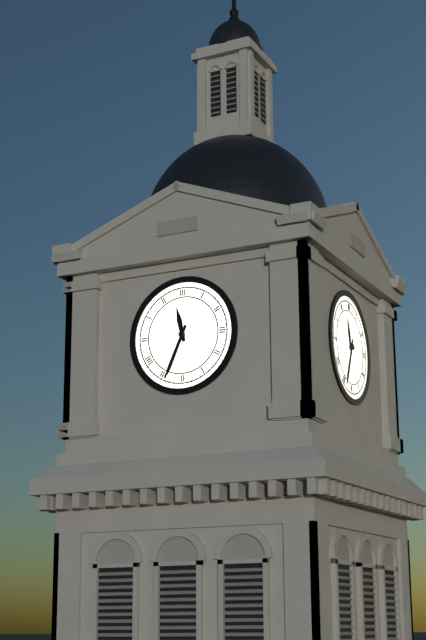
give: {"hour": 11, "minute": 34}
